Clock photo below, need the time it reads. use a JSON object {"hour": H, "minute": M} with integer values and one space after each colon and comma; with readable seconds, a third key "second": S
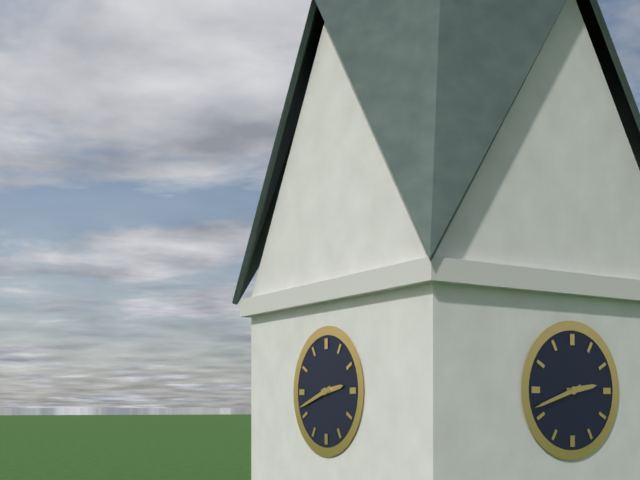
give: {"hour": 2, "minute": 42}
